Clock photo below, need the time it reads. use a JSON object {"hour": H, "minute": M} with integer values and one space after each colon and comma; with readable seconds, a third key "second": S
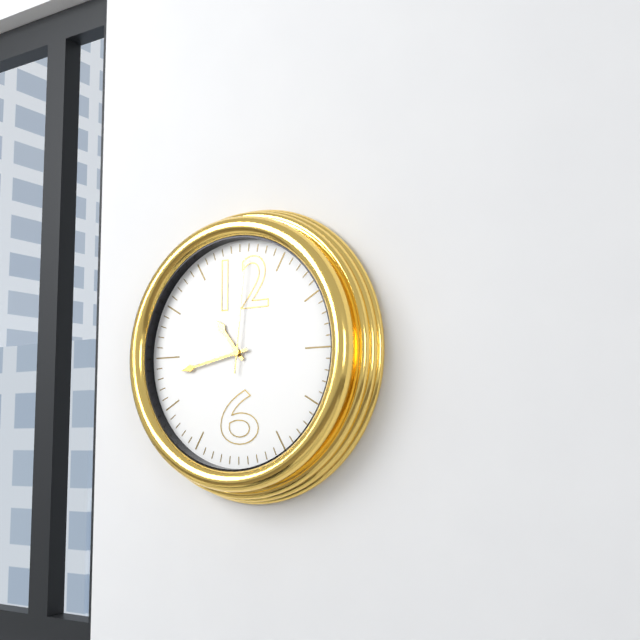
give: {"hour": 10, "minute": 43, "second": 1}
